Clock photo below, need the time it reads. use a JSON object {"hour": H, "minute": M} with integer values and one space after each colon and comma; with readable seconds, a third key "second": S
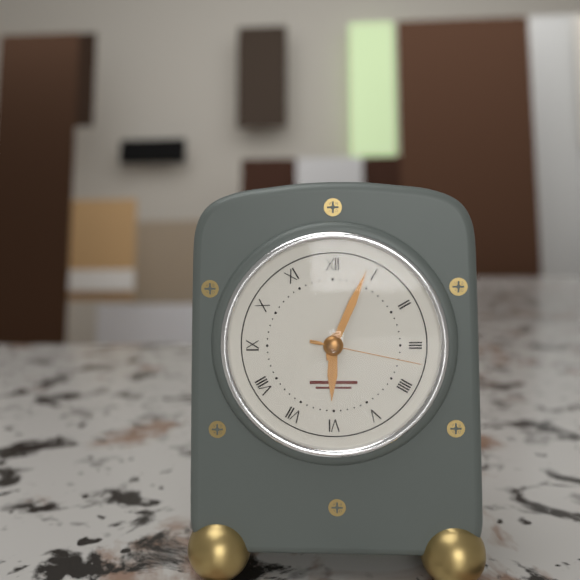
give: {"hour": 6, "minute": 4, "second": 17}
